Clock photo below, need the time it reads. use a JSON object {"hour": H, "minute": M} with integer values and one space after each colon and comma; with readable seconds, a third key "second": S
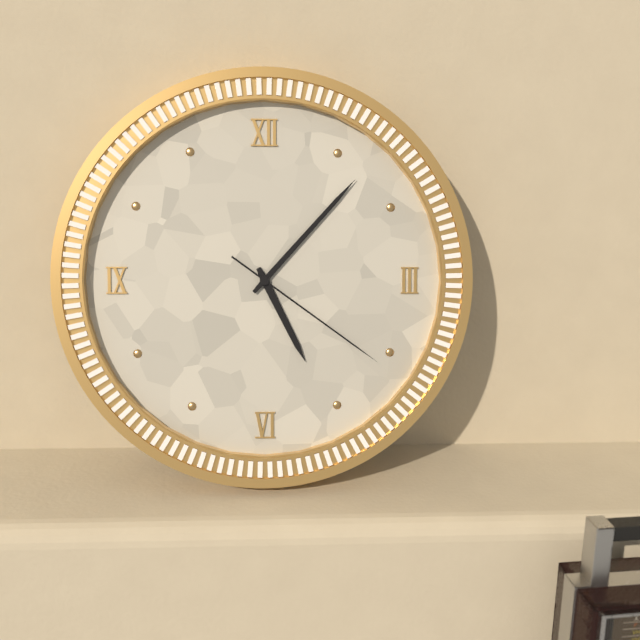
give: {"hour": 5, "minute": 7, "second": 21}
